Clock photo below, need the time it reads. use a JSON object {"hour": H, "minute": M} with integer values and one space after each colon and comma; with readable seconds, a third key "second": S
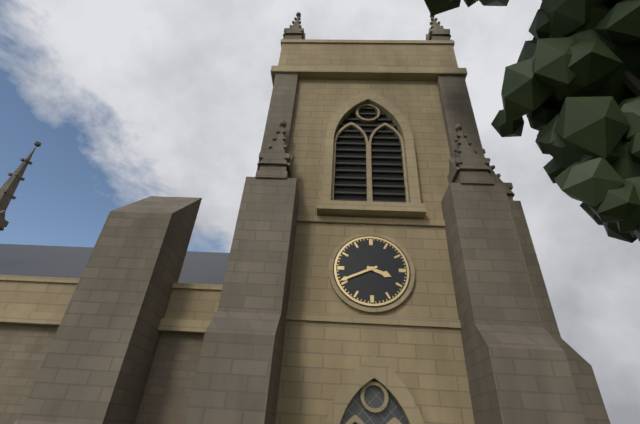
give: {"hour": 3, "minute": 41}
